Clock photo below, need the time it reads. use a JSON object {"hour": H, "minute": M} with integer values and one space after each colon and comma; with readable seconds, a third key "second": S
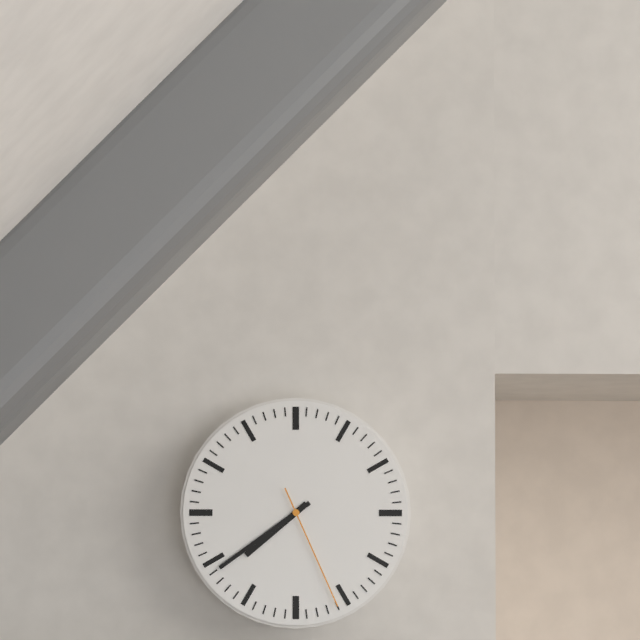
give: {"hour": 7, "minute": 39, "second": 26}
